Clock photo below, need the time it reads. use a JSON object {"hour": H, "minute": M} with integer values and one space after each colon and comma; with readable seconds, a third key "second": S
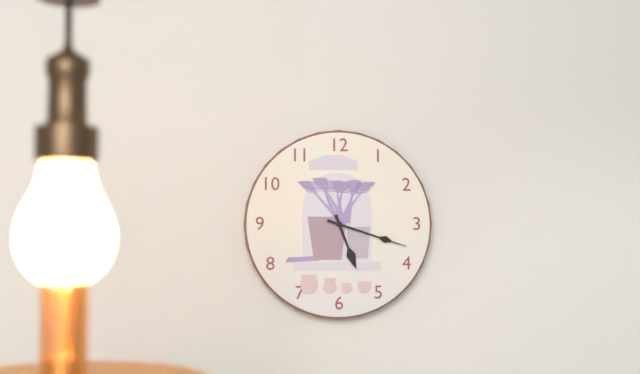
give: {"hour": 5, "minute": 18}
